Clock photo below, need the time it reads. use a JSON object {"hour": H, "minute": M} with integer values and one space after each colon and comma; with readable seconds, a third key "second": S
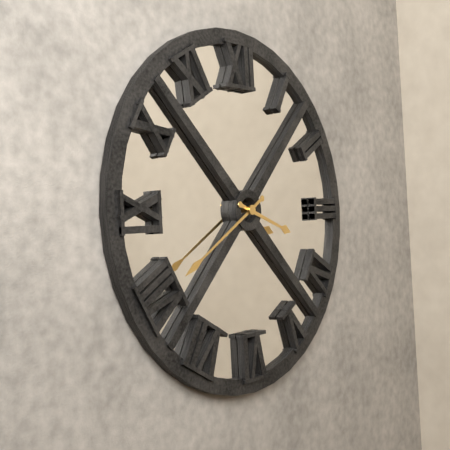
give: {"hour": 3, "minute": 40}
